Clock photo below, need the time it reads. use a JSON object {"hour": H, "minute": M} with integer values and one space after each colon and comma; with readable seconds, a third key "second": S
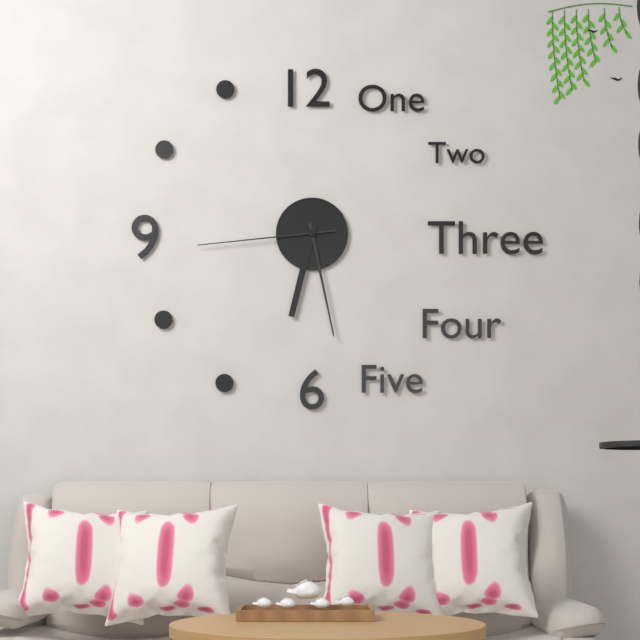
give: {"hour": 6, "minute": 28, "second": 44}
